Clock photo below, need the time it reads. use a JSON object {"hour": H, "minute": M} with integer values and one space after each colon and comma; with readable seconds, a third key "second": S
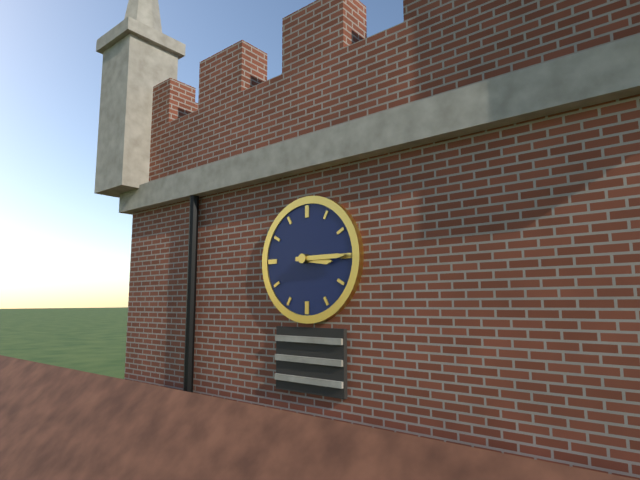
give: {"hour": 3, "minute": 15}
